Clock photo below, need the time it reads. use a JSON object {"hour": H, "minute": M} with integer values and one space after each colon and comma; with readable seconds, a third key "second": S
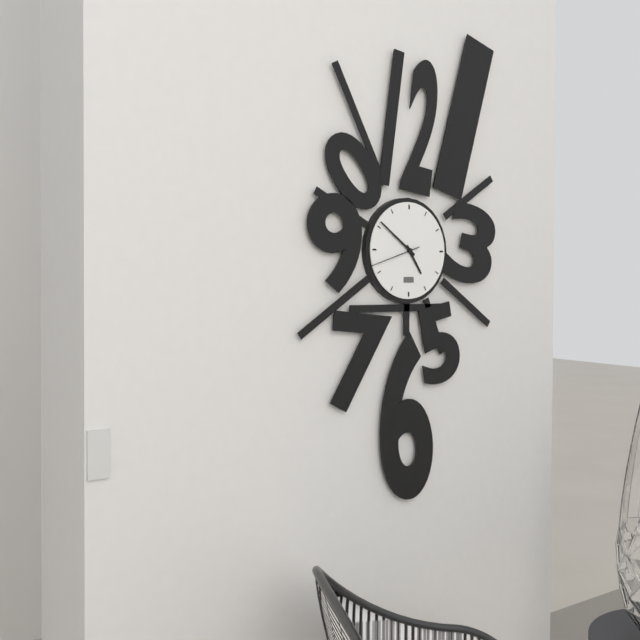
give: {"hour": 4, "minute": 51, "second": 42}
